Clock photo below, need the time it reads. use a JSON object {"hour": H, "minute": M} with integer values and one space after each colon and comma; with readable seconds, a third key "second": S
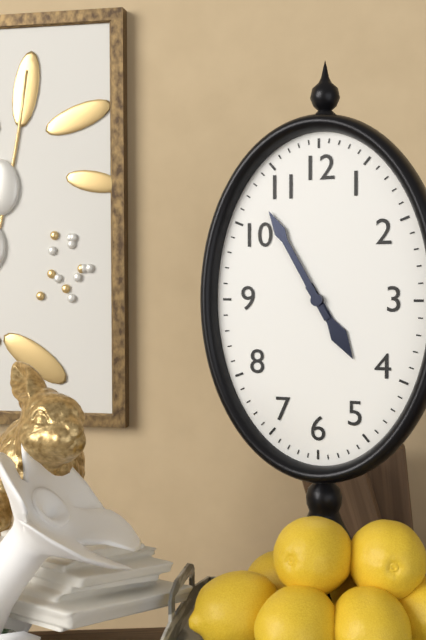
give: {"hour": 4, "minute": 55}
